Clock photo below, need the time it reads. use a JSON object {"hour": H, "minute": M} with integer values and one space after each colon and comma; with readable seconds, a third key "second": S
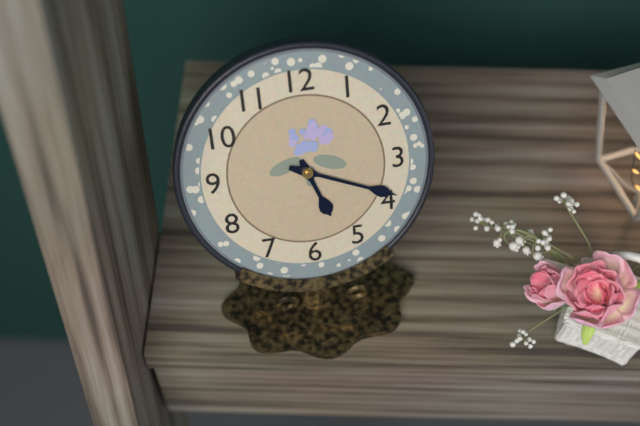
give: {"hour": 5, "minute": 19}
